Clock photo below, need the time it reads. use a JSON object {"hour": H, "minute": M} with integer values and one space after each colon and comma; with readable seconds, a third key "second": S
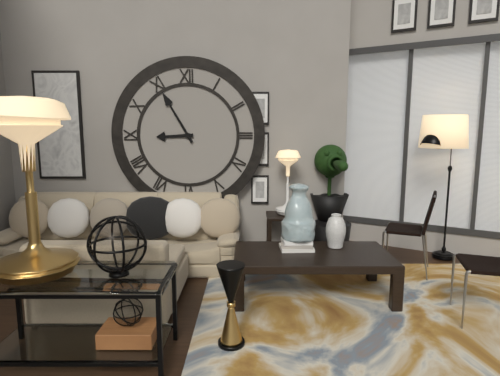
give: {"hour": 8, "minute": 55}
